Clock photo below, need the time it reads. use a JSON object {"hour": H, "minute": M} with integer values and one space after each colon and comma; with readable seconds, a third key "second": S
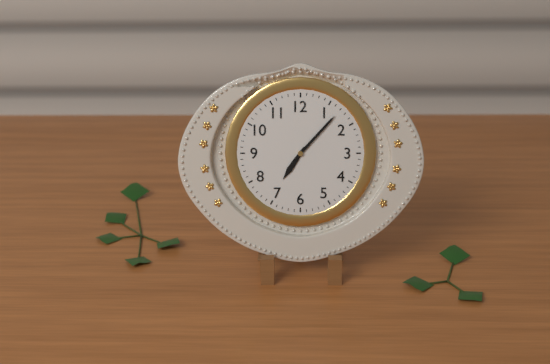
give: {"hour": 7, "minute": 7}
